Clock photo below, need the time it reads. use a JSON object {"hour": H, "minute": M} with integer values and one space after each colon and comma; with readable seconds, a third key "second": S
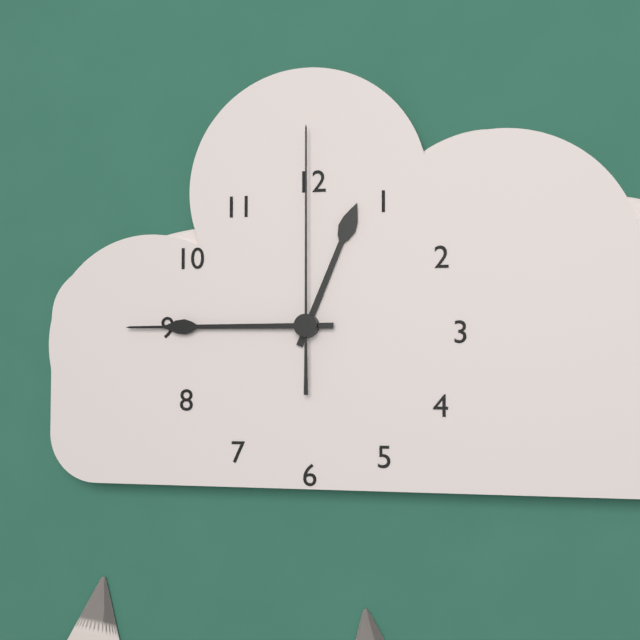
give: {"hour": 12, "minute": 45, "second": 0}
